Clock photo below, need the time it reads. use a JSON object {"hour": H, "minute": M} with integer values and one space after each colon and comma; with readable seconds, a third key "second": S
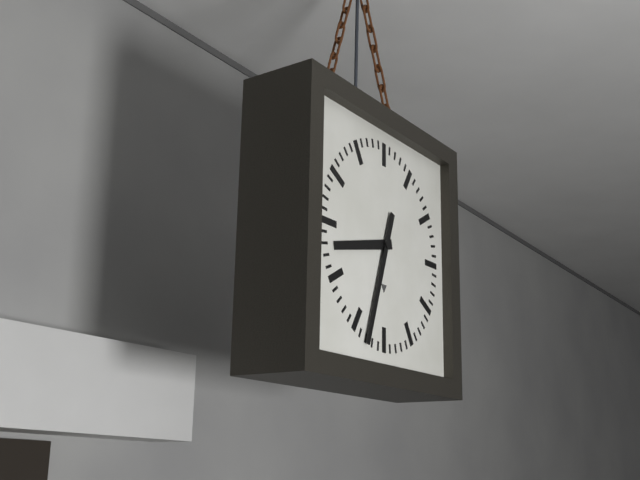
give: {"hour": 8, "minute": 33}
